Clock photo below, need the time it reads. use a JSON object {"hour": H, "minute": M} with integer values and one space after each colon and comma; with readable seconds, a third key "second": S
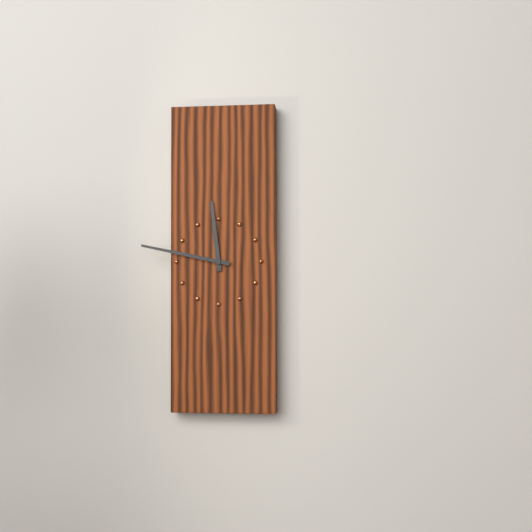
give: {"hour": 11, "minute": 47}
